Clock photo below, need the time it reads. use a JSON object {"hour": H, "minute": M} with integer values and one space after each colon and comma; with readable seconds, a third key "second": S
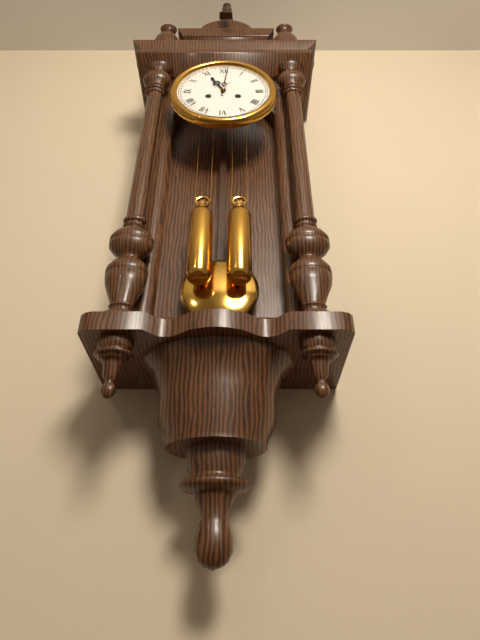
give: {"hour": 11, "minute": 1}
